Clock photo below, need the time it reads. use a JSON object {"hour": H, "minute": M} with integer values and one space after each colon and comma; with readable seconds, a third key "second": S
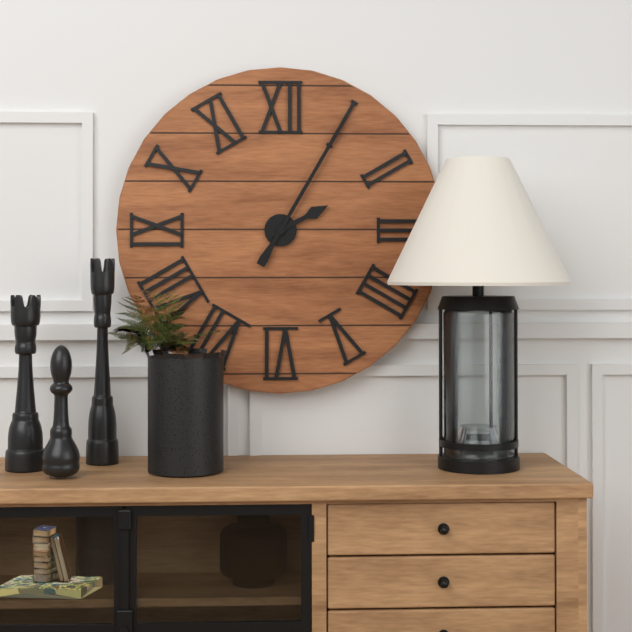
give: {"hour": 2, "minute": 5}
